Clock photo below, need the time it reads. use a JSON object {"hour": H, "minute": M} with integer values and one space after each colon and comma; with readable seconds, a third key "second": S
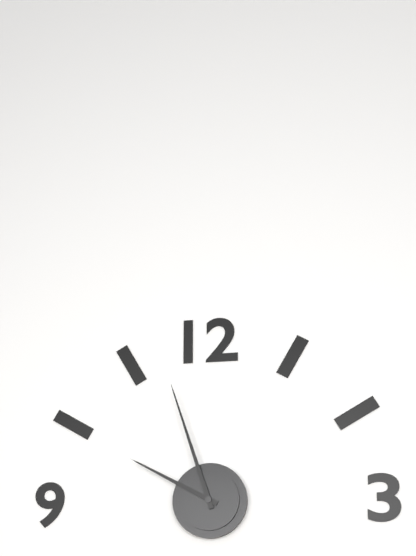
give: {"hour": 9, "minute": 57}
